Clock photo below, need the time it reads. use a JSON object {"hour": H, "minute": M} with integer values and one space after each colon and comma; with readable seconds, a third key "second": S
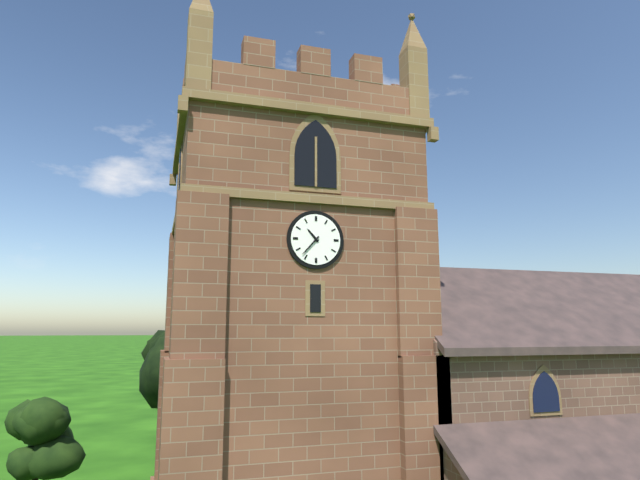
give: {"hour": 10, "minute": 37}
